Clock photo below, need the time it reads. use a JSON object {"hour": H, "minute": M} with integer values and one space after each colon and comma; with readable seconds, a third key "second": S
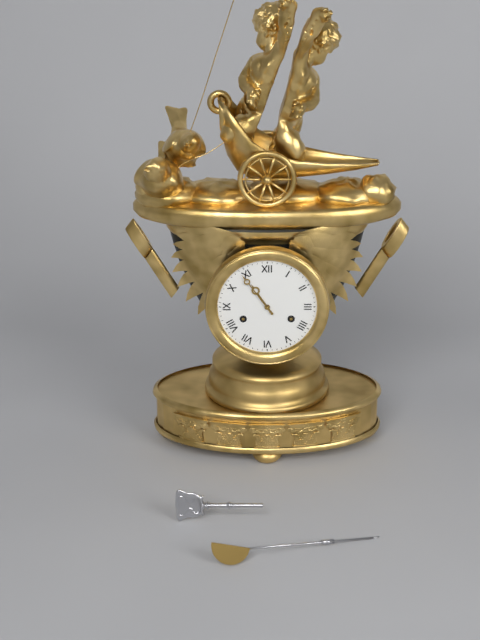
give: {"hour": 10, "minute": 54}
